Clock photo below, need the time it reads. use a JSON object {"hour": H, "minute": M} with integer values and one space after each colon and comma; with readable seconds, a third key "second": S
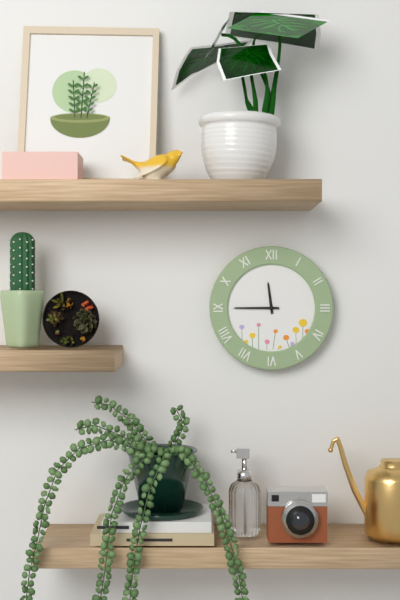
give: {"hour": 11, "minute": 45}
